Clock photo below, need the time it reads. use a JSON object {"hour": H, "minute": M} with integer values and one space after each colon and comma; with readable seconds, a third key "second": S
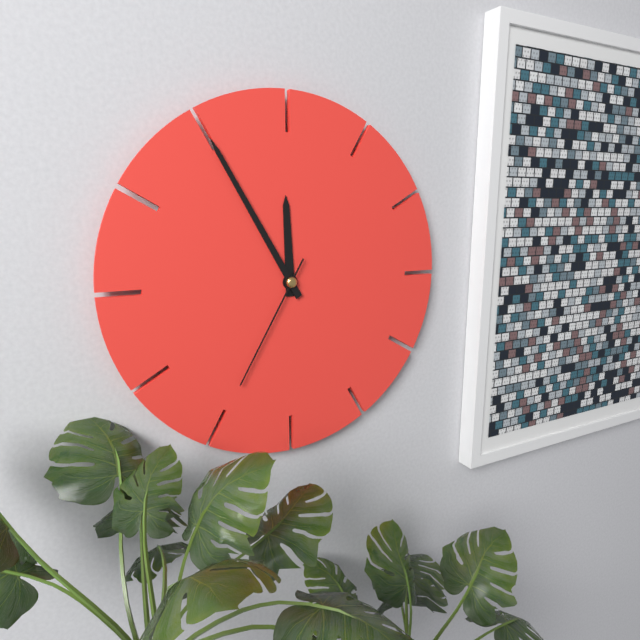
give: {"hour": 11, "minute": 55, "second": 35}
